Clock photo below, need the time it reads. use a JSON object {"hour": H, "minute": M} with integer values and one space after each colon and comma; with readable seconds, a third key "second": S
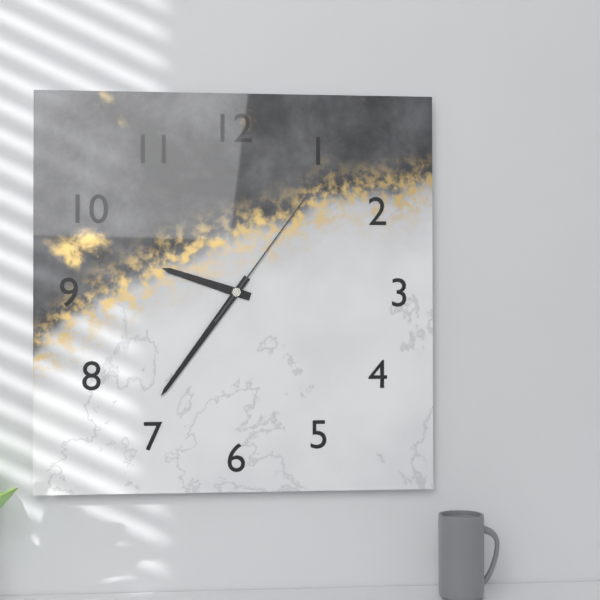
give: {"hour": 9, "minute": 36, "second": 6}
